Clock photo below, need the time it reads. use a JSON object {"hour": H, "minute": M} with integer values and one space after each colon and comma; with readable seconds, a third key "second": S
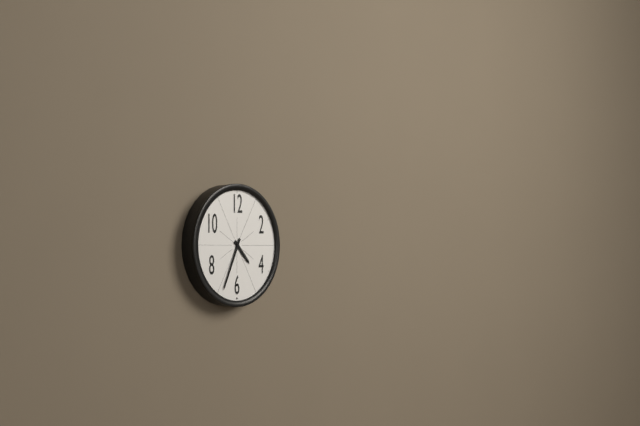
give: {"hour": 4, "minute": 34}
